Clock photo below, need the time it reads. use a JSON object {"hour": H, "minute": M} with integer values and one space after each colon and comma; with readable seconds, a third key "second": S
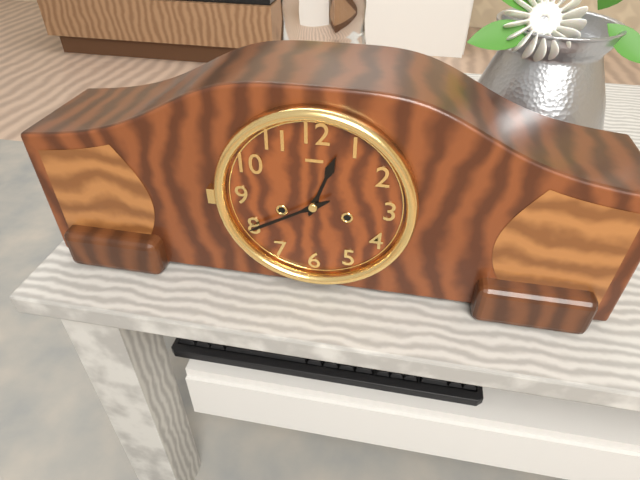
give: {"hour": 12, "minute": 40}
